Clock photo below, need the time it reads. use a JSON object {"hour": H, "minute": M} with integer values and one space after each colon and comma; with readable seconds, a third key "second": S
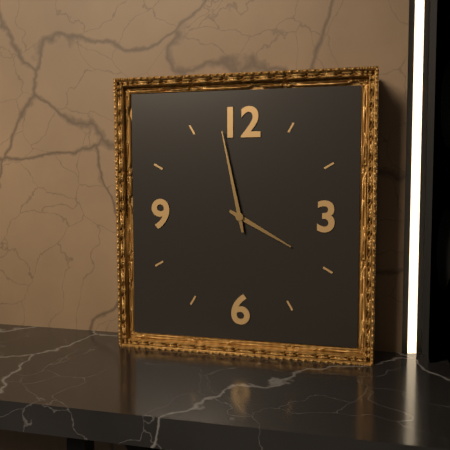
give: {"hour": 3, "minute": 58}
